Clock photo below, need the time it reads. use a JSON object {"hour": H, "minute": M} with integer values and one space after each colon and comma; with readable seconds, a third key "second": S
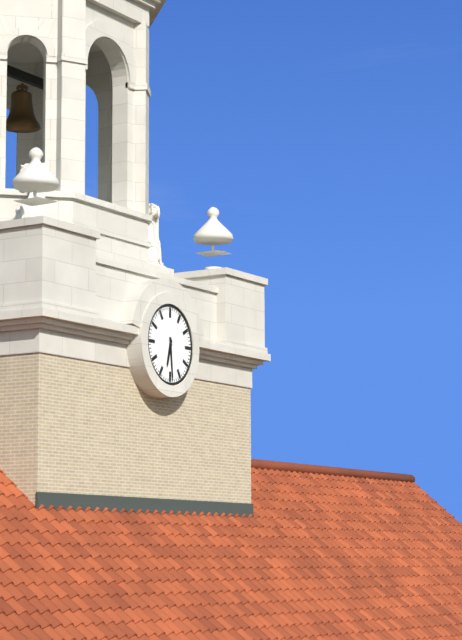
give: {"hour": 6, "minute": 29}
